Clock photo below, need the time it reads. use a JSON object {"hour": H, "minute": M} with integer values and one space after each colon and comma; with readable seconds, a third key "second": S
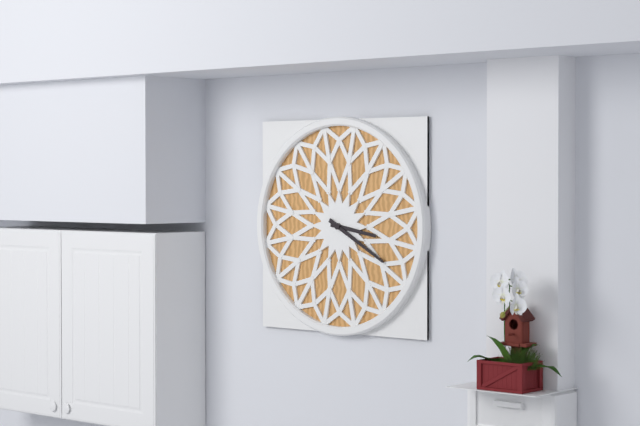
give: {"hour": 3, "minute": 20}
